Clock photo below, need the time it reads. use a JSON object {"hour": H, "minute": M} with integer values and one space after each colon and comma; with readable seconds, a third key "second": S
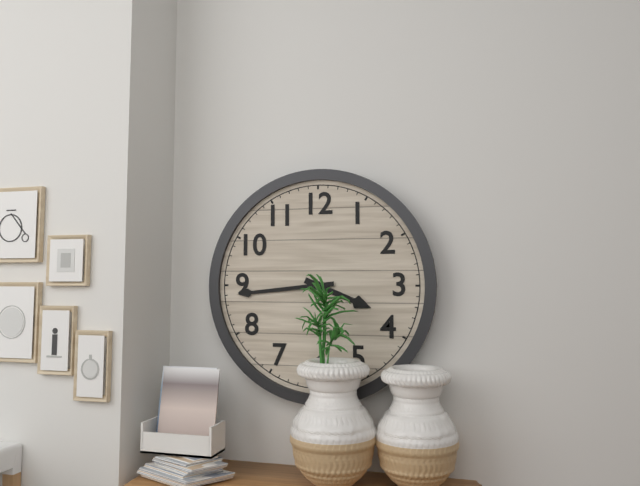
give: {"hour": 3, "minute": 44}
